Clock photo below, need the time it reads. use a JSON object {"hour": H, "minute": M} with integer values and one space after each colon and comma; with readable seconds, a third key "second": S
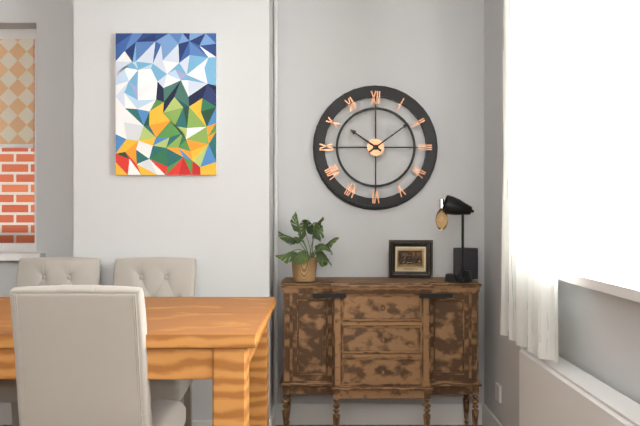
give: {"hour": 10, "minute": 9}
